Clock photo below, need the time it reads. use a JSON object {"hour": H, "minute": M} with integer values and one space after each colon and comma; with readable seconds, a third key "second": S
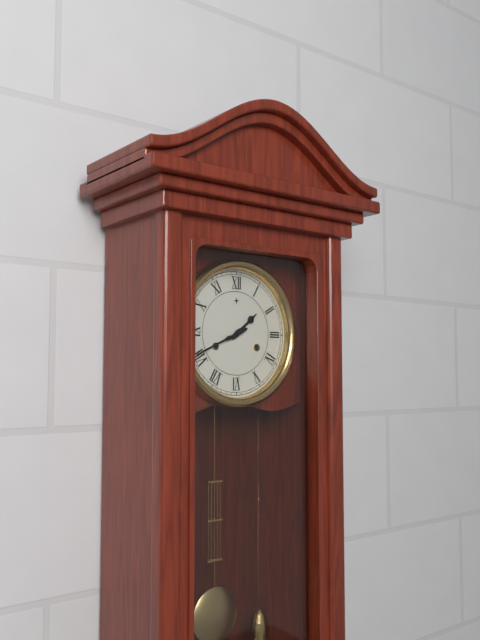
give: {"hour": 1, "minute": 41}
